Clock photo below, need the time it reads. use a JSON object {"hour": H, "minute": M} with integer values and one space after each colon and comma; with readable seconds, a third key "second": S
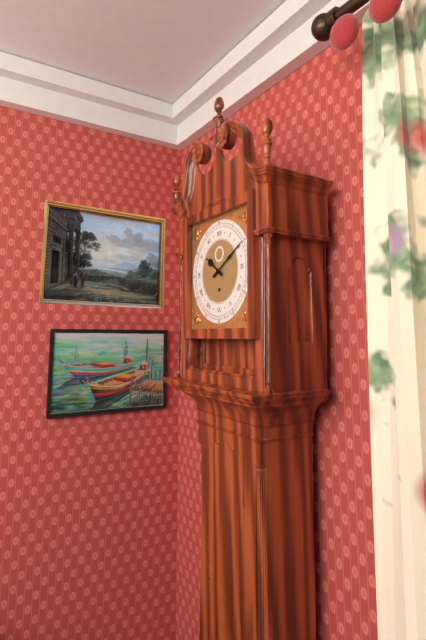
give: {"hour": 10, "minute": 10}
